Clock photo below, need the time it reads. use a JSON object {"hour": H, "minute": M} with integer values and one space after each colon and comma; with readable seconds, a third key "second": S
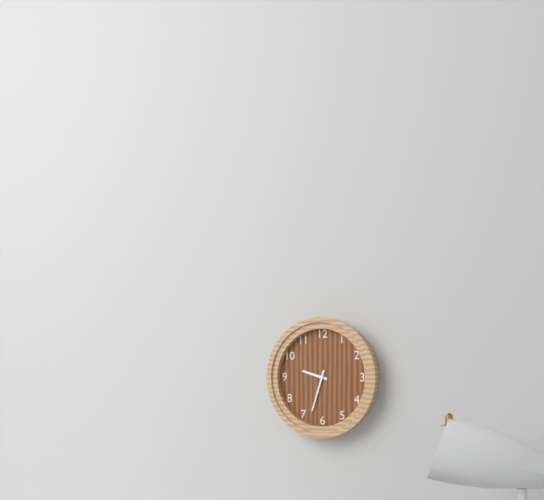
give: {"hour": 9, "minute": 33}
